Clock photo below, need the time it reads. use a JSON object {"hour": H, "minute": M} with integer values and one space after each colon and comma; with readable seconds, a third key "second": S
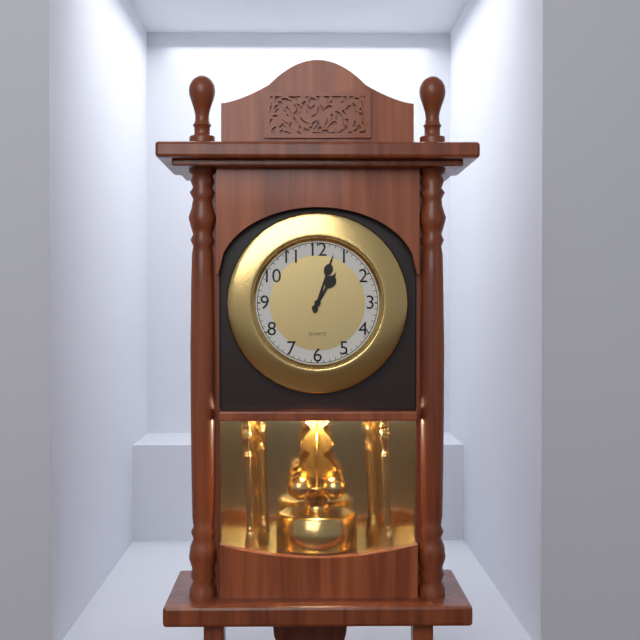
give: {"hour": 1, "minute": 3}
